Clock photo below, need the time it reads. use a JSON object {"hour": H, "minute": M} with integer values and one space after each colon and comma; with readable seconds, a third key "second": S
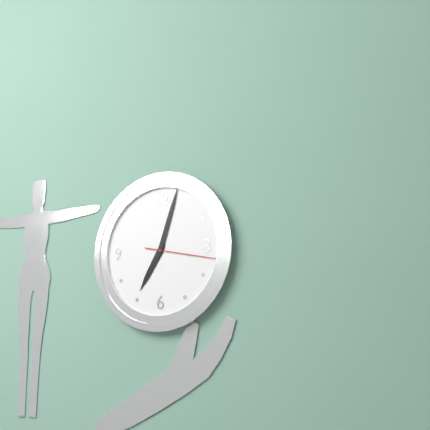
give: {"hour": 7, "minute": 3, "second": 17}
